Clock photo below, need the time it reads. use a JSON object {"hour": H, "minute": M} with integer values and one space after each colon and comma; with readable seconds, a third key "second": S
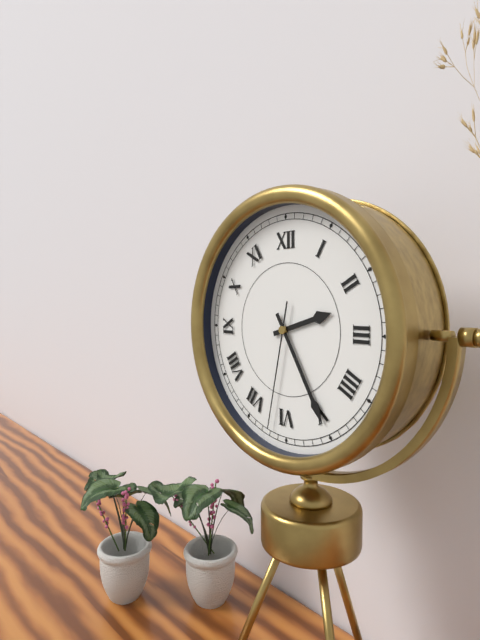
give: {"hour": 2, "minute": 25, "second": 32}
